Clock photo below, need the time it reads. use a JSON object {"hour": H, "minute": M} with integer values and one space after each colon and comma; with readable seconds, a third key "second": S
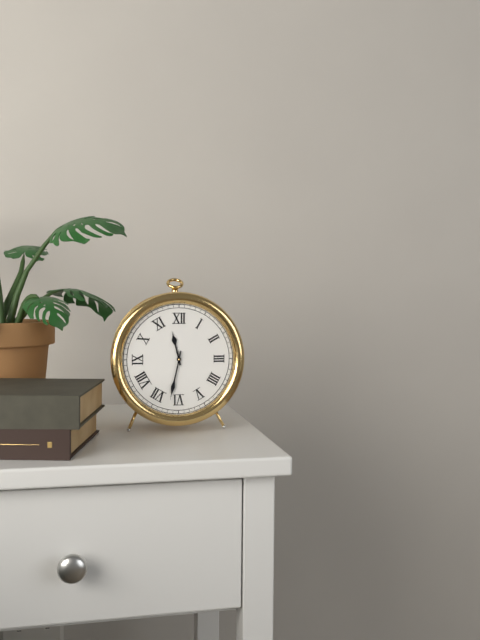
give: {"hour": 11, "minute": 32}
